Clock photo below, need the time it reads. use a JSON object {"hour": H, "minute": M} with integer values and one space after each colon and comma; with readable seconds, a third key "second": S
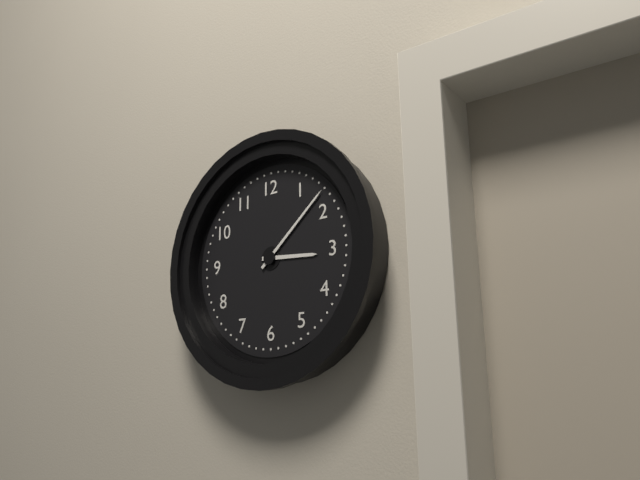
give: {"hour": 3, "minute": 8}
